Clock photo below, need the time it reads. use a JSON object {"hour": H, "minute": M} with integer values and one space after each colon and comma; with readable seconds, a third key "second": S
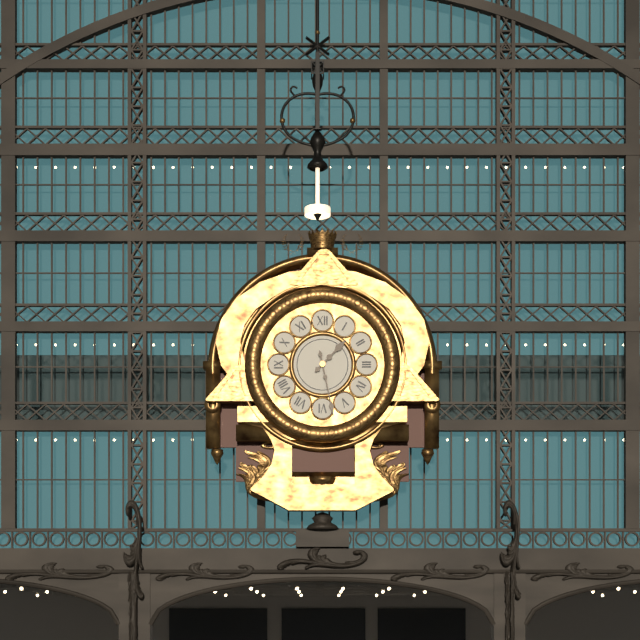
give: {"hour": 1, "minute": 28}
